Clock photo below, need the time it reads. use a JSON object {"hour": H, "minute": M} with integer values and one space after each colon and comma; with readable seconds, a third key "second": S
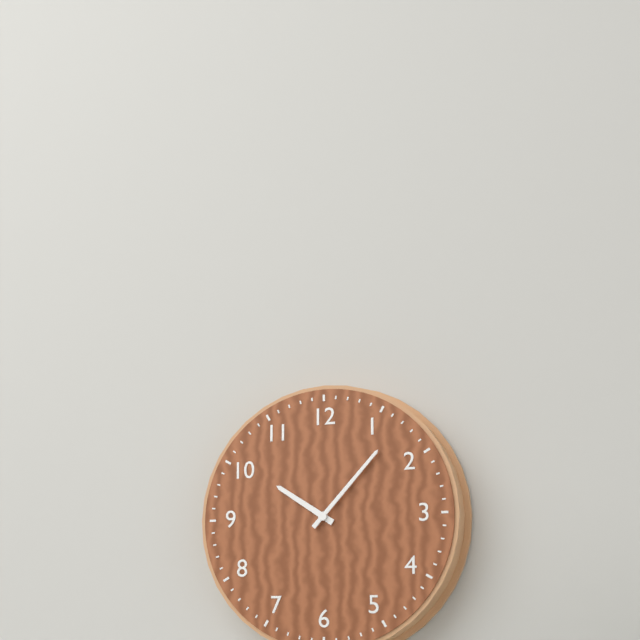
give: {"hour": 10, "minute": 7}
